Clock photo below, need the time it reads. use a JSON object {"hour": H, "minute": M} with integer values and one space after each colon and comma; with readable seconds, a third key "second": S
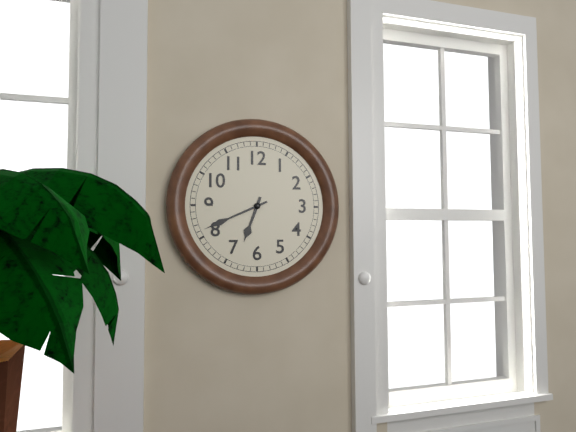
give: {"hour": 6, "minute": 41}
